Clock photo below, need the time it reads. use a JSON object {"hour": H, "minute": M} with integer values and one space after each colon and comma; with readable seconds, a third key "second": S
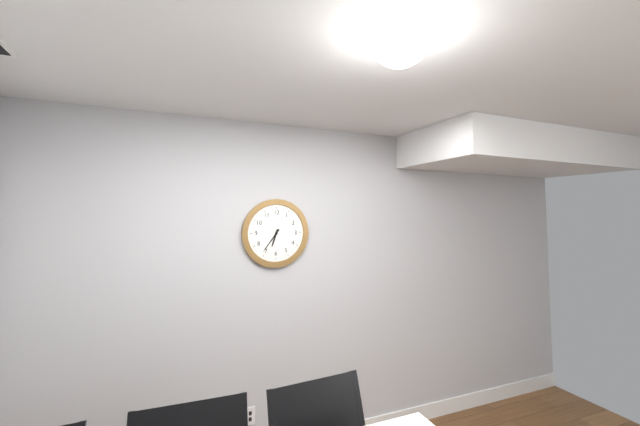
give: {"hour": 6, "minute": 36}
